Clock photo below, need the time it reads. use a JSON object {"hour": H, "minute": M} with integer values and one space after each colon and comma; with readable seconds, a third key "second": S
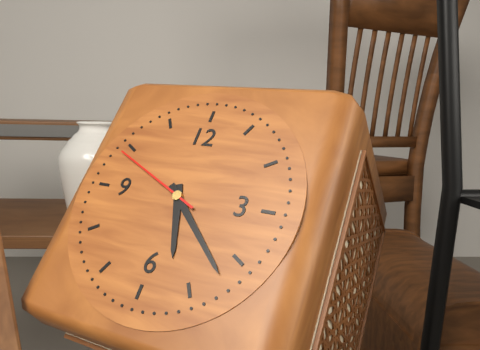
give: {"hour": 5, "minute": 22, "second": 49}
